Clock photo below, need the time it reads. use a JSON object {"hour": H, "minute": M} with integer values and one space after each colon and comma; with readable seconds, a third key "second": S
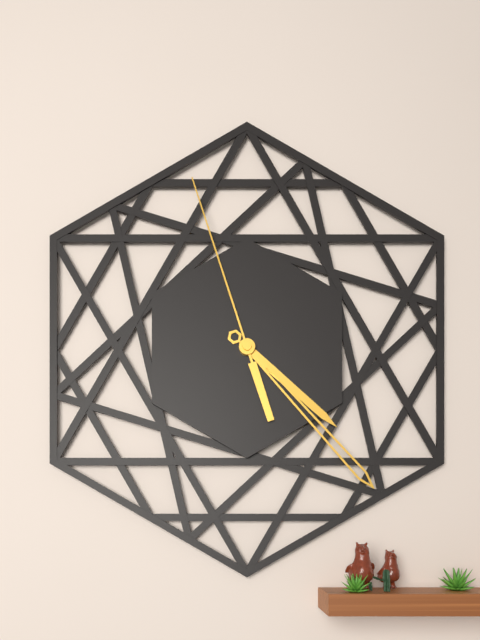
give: {"hour": 4, "minute": 23, "second": 57}
